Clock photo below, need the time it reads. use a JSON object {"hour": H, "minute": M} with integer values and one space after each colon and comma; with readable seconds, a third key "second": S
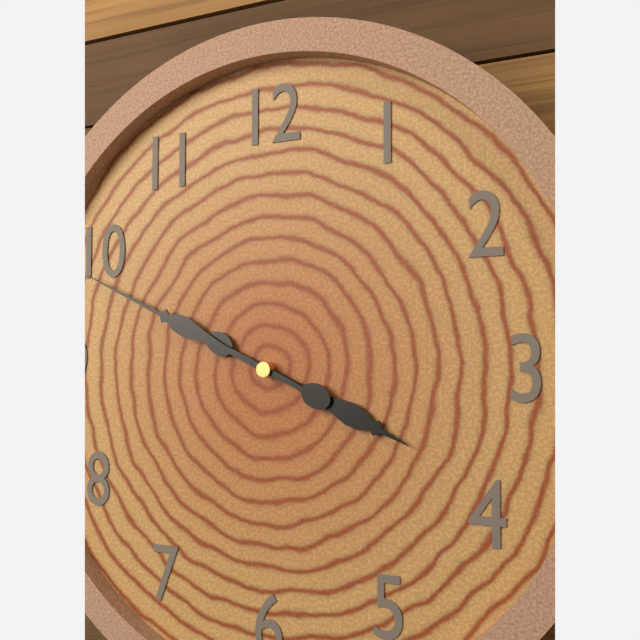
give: {"hour": 3, "minute": 49}
